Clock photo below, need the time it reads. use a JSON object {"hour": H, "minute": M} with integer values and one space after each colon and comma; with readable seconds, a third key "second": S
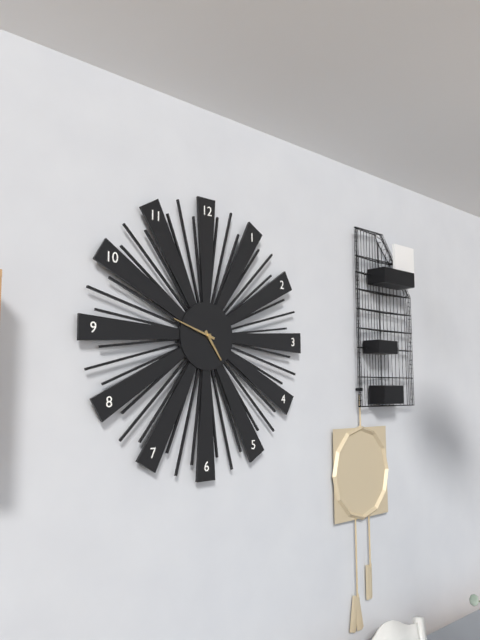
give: {"hour": 4, "minute": 48}
